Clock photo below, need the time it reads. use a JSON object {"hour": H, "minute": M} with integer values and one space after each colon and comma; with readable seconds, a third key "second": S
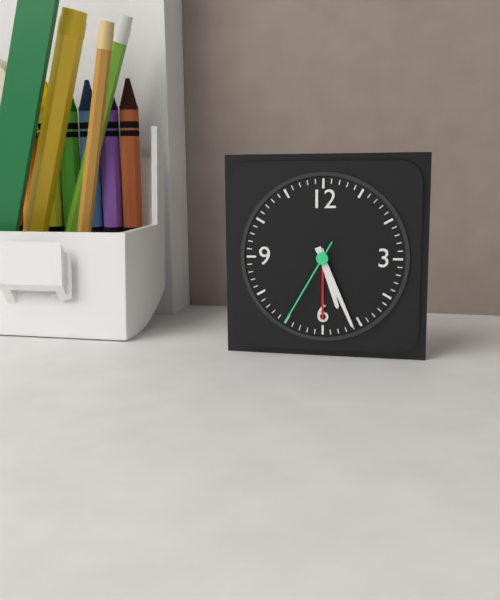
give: {"hour": 5, "minute": 26, "second": 35}
